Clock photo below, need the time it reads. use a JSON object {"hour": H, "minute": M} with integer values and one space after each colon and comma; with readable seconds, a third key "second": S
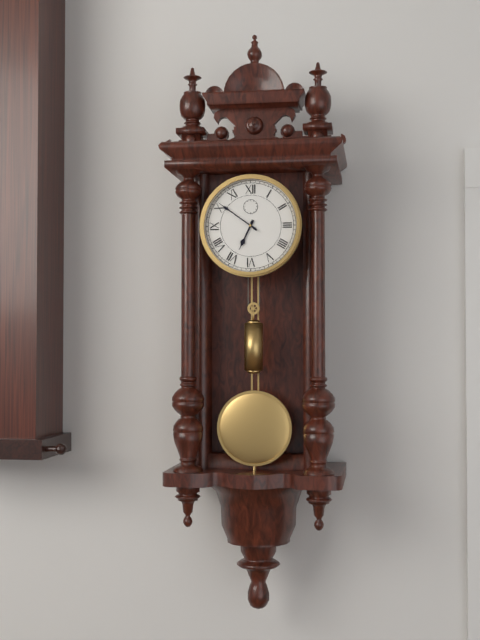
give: {"hour": 6, "minute": 51}
